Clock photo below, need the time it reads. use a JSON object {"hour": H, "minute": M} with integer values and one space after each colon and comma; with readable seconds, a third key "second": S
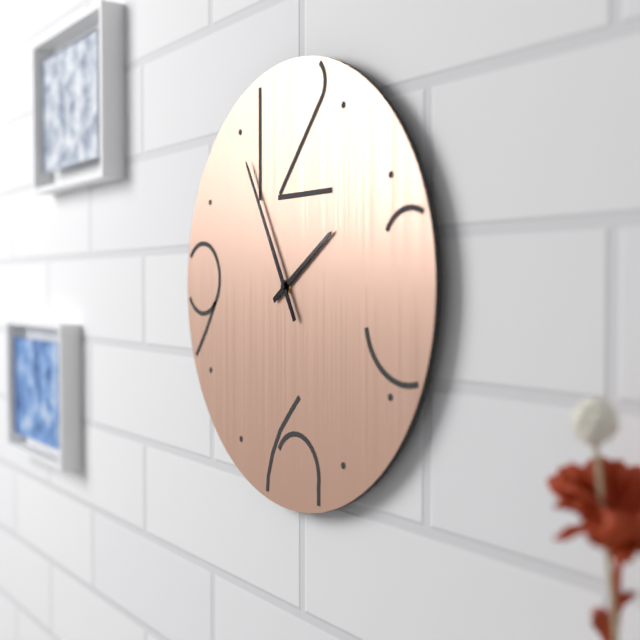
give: {"hour": 1, "minute": 55}
